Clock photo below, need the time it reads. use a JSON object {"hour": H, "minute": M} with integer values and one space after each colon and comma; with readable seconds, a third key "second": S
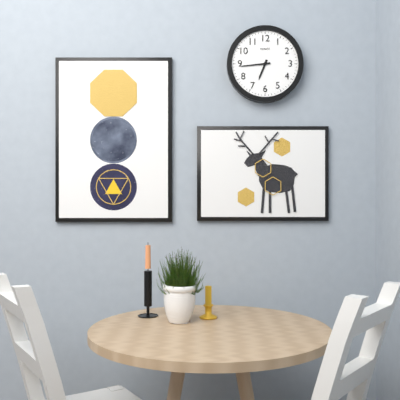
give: {"hour": 6, "minute": 44}
